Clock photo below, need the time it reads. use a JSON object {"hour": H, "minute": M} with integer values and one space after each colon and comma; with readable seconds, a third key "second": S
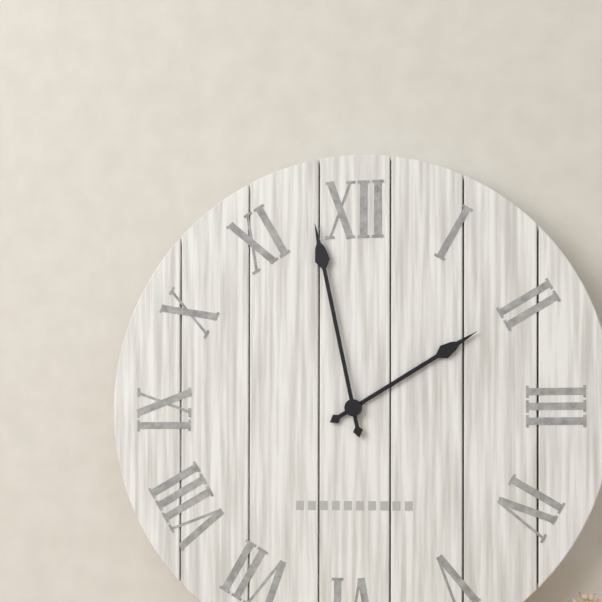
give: {"hour": 1, "minute": 58}
